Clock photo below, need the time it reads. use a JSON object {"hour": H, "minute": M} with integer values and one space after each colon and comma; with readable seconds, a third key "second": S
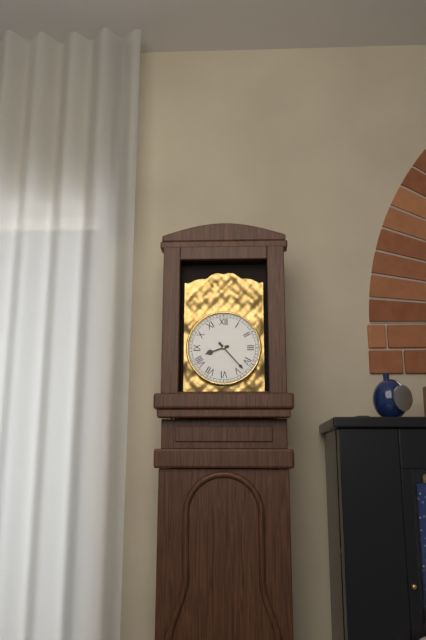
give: {"hour": 8, "minute": 23}
